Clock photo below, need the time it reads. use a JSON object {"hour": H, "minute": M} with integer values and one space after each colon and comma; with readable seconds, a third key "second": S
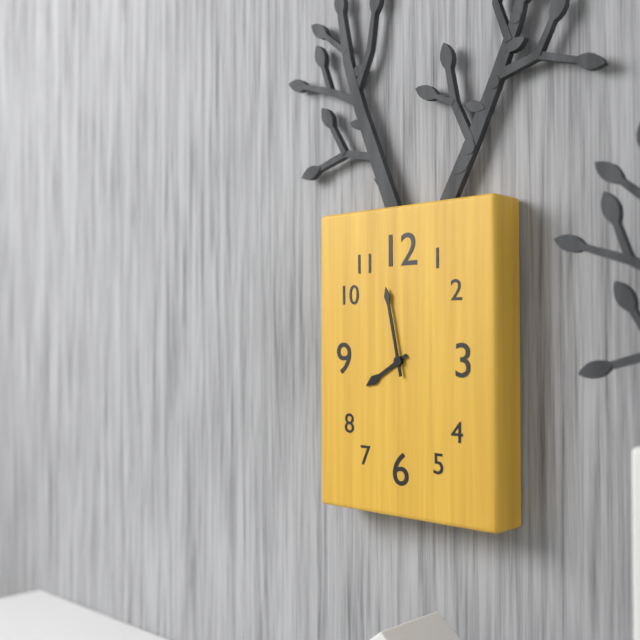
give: {"hour": 7, "minute": 58}
